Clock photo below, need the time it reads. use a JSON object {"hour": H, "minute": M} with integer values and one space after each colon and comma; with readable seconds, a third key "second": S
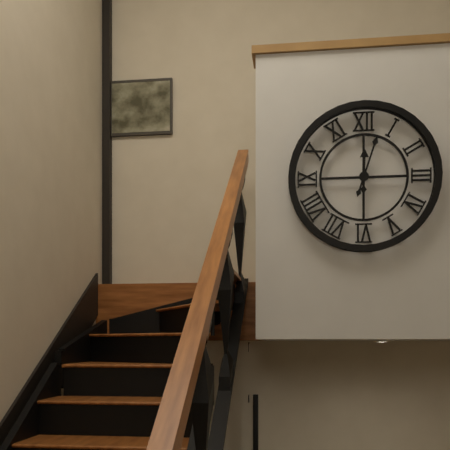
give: {"hour": 12, "minute": 3}
